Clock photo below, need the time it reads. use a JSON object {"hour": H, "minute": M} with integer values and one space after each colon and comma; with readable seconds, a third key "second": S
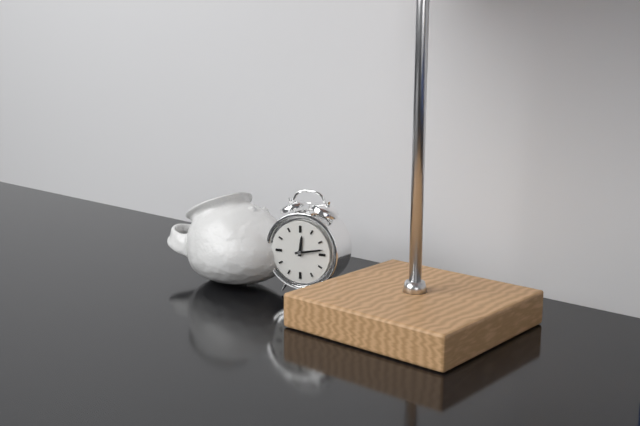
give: {"hour": 12, "minute": 13}
